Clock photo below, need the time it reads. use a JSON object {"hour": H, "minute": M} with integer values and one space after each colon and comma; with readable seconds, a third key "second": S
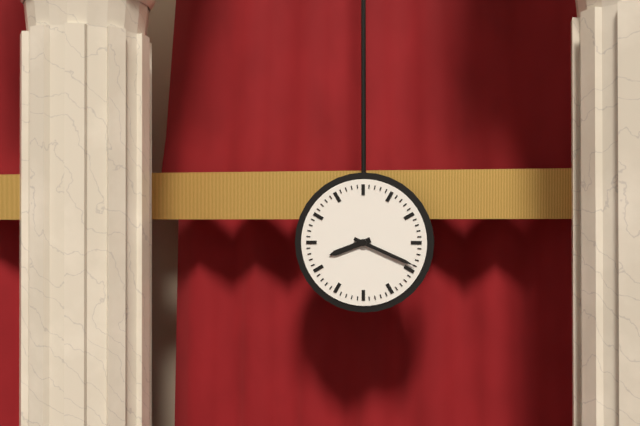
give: {"hour": 8, "minute": 19}
